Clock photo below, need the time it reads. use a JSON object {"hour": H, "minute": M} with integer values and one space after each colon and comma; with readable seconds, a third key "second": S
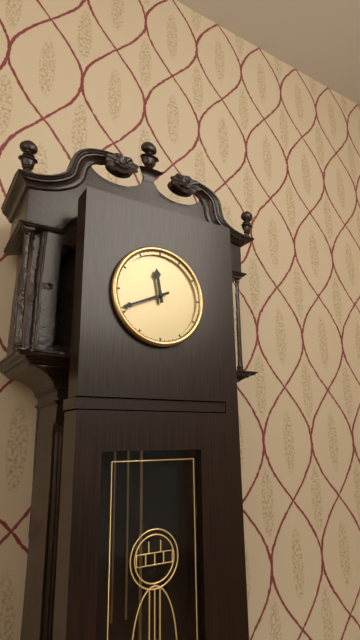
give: {"hour": 11, "minute": 41}
